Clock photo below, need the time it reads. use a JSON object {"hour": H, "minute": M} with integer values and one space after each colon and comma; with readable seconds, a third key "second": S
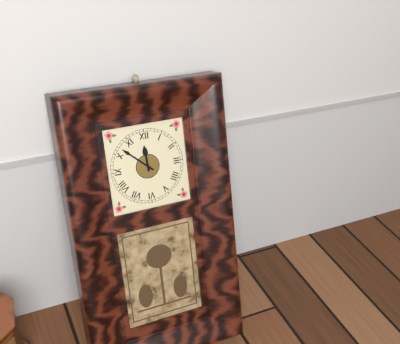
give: {"hour": 11, "minute": 52}
